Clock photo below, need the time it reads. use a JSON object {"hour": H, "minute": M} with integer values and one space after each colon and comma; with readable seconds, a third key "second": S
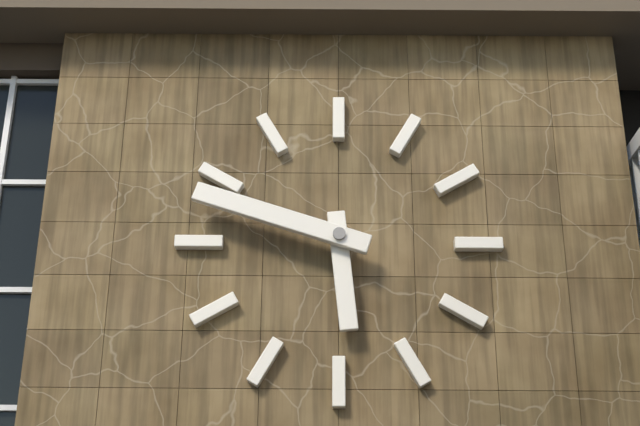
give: {"hour": 5, "minute": 48}
